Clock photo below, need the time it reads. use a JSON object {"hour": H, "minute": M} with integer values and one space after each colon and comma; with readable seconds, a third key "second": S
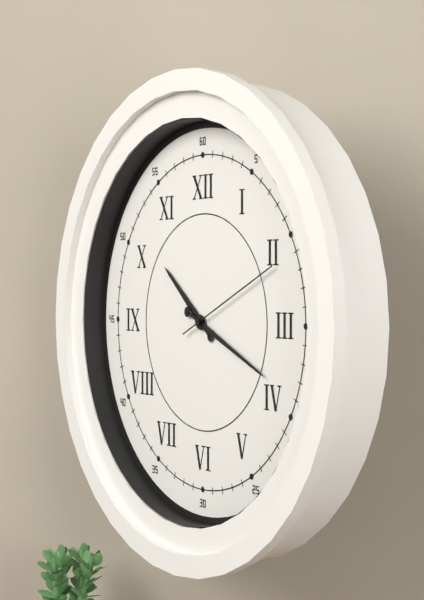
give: {"hour": 10, "minute": 19, "second": 11}
